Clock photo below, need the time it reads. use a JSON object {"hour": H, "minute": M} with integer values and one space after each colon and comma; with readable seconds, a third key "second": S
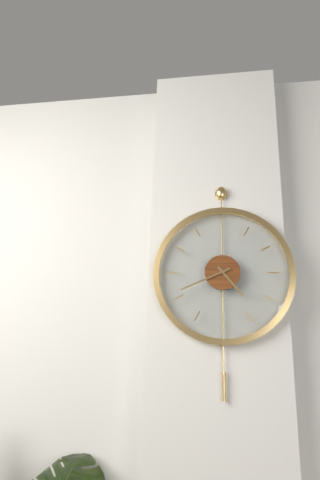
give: {"hour": 4, "minute": 41}
